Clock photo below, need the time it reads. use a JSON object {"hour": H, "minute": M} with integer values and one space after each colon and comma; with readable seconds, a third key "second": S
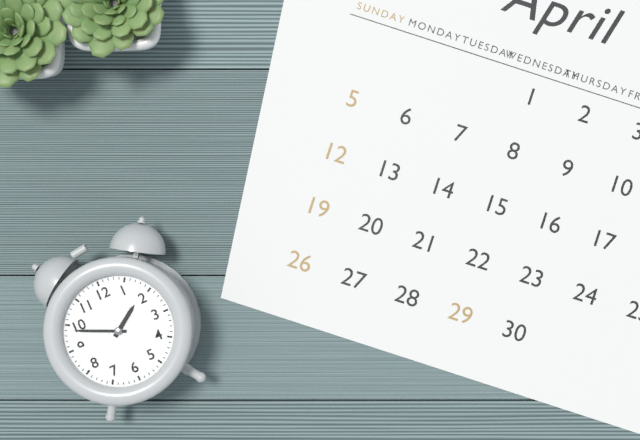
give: {"hour": 1, "minute": 49}
